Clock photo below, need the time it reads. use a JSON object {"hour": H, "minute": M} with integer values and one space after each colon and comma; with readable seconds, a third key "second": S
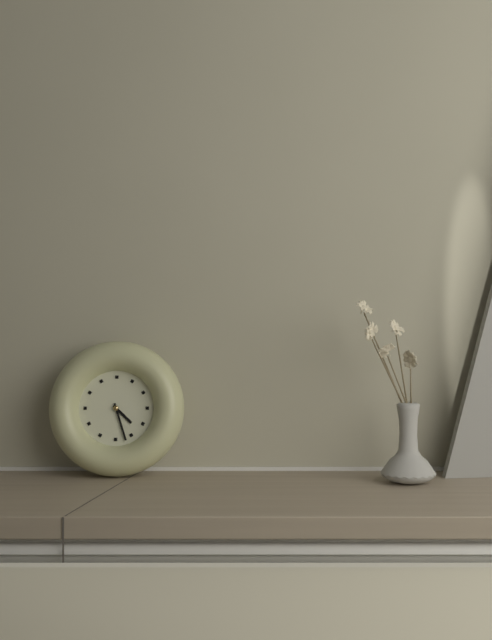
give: {"hour": 4, "minute": 27}
